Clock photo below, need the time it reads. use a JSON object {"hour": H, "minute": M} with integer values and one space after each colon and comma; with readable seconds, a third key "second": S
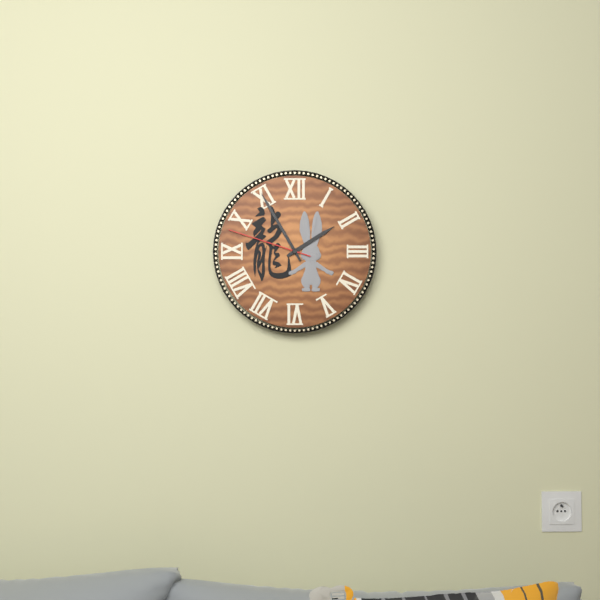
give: {"hour": 1, "minute": 55, "second": 48}
